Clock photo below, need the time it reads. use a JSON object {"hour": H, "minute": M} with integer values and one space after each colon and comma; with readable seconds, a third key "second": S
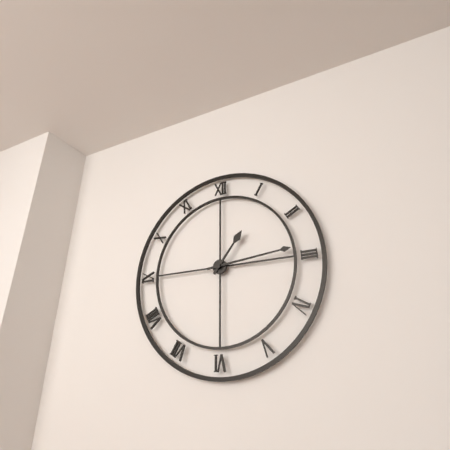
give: {"hour": 1, "minute": 14}
